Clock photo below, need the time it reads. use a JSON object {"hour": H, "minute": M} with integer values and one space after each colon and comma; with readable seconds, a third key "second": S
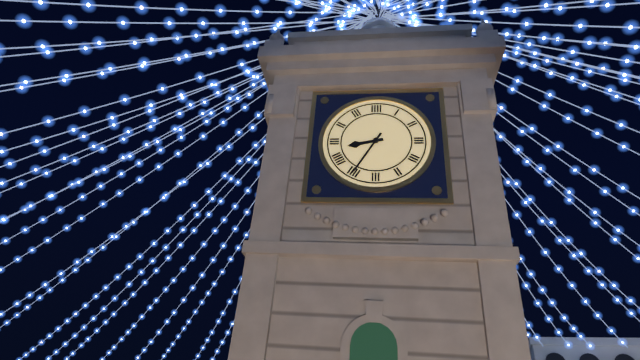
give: {"hour": 8, "minute": 35}
